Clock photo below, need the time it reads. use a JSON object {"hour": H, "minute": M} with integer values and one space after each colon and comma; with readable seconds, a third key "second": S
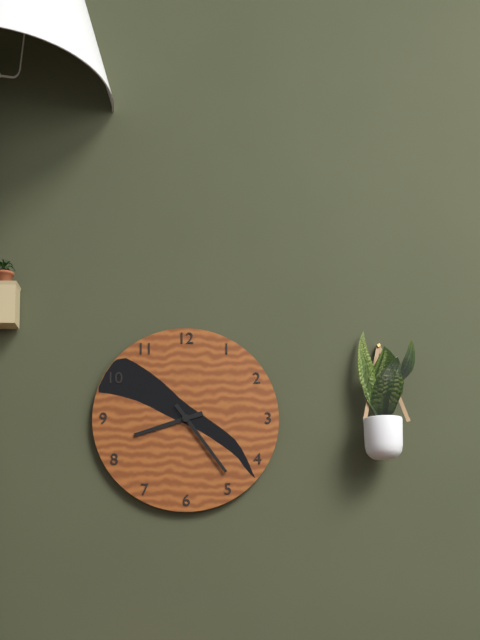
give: {"hour": 8, "minute": 24}
